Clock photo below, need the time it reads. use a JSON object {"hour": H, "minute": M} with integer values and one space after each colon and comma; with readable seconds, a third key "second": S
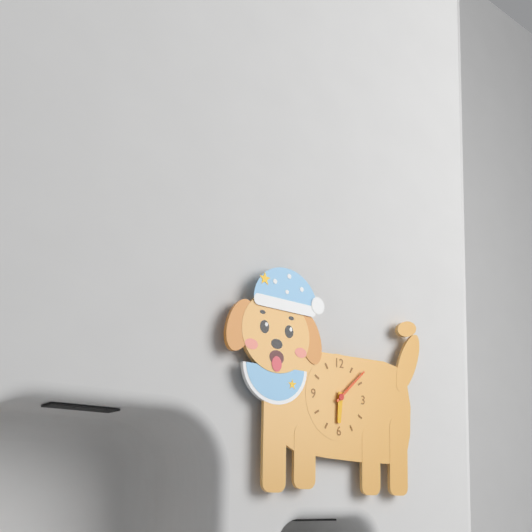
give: {"hour": 6, "minute": 8}
